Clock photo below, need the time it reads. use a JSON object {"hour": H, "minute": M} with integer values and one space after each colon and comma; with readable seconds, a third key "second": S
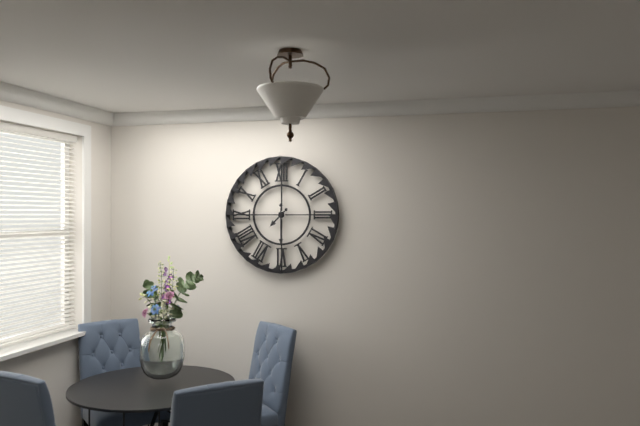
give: {"hour": 7, "minute": 30}
